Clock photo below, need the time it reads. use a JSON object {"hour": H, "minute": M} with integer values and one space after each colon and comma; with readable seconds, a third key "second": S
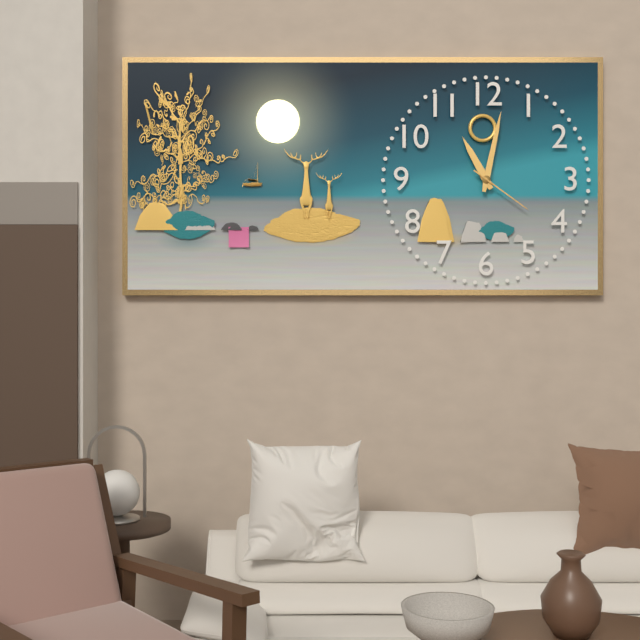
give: {"hour": 11, "minute": 2, "second": 21}
